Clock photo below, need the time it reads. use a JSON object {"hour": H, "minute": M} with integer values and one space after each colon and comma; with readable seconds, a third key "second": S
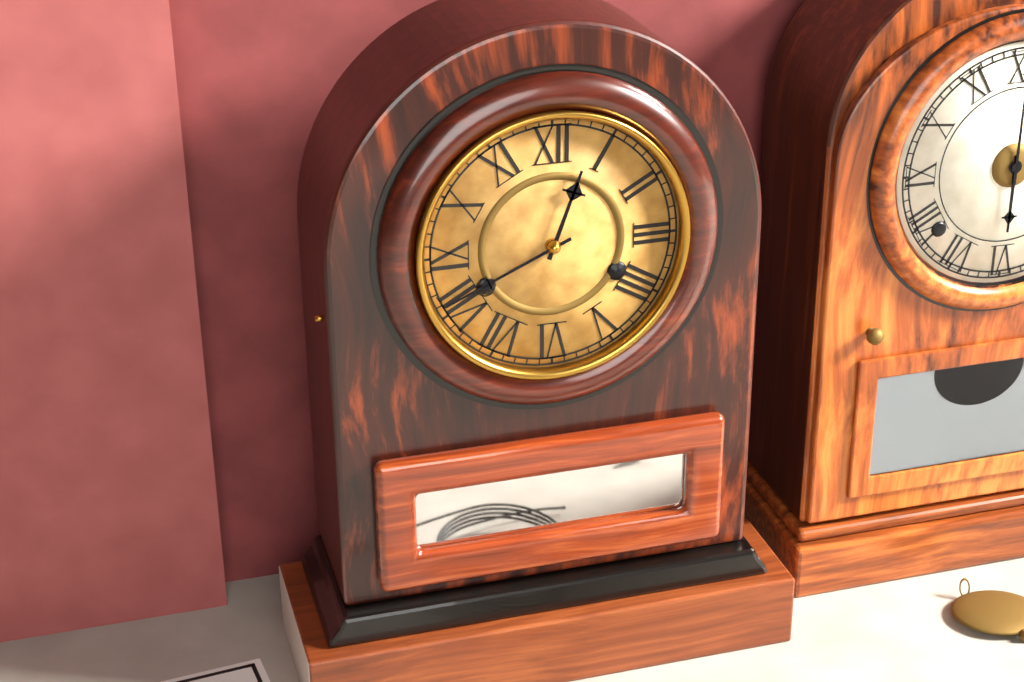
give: {"hour": 12, "minute": 41}
